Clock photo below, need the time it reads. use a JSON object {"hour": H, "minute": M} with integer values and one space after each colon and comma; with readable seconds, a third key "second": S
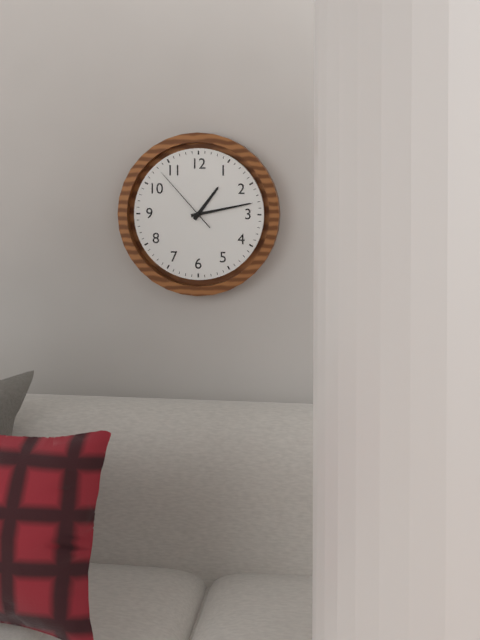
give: {"hour": 1, "minute": 13, "second": 53}
